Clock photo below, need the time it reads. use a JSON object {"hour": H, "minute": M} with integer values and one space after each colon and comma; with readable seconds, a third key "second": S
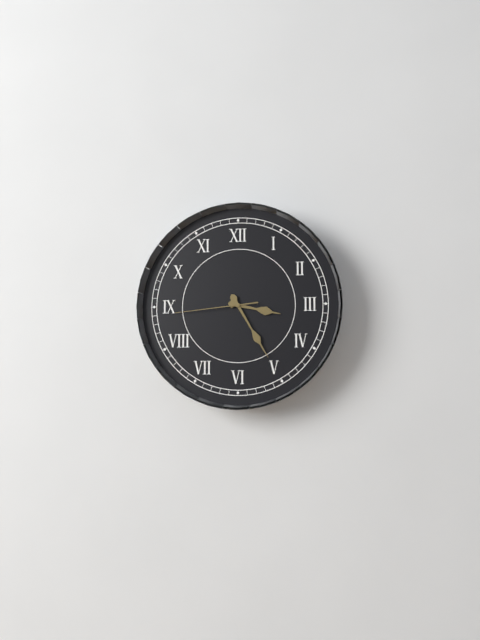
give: {"hour": 3, "minute": 25, "second": 44}
